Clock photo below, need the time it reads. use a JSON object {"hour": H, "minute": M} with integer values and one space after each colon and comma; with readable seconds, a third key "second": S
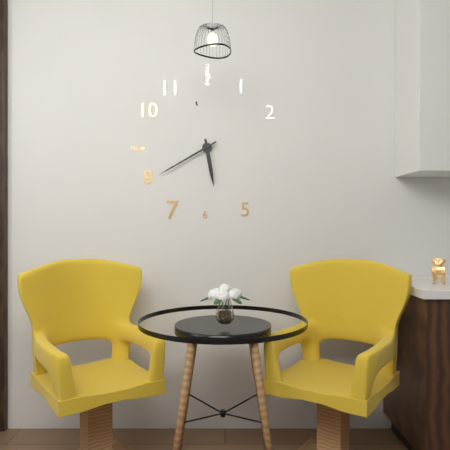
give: {"hour": 5, "minute": 40}
